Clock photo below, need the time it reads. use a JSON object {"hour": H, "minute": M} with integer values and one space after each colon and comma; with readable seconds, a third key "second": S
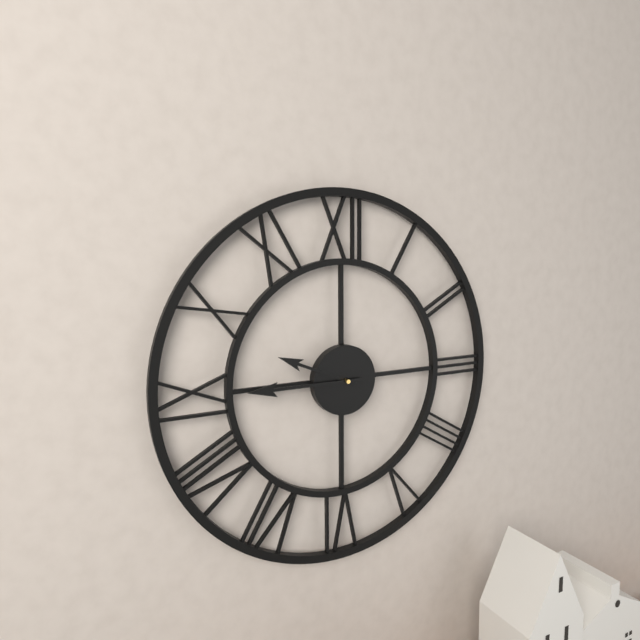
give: {"hour": 9, "minute": 45}
